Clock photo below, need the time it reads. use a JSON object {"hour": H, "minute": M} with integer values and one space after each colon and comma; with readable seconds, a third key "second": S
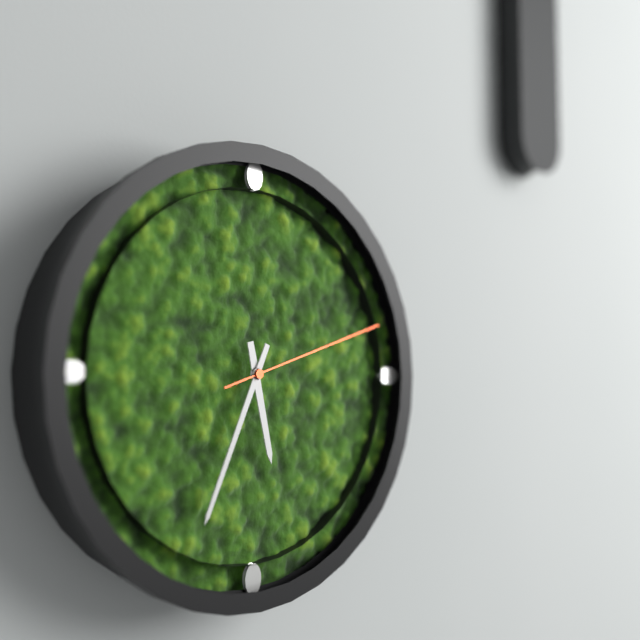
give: {"hour": 5, "minute": 34, "second": 12}
